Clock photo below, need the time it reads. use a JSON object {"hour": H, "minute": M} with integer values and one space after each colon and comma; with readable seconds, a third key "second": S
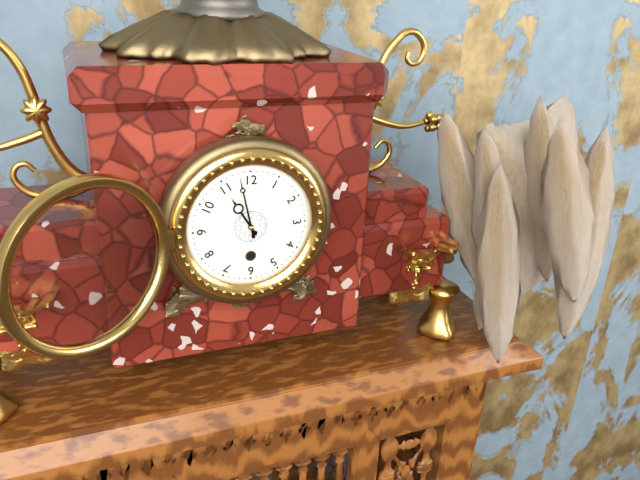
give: {"hour": 10, "minute": 58}
